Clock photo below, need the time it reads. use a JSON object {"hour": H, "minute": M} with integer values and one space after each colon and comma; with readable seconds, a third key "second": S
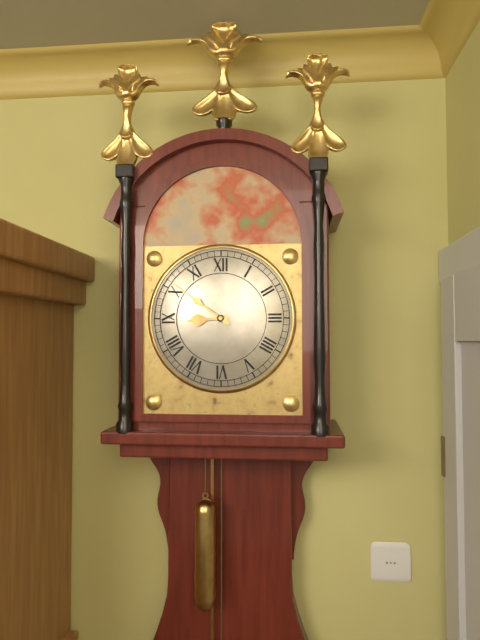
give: {"hour": 8, "minute": 51}
